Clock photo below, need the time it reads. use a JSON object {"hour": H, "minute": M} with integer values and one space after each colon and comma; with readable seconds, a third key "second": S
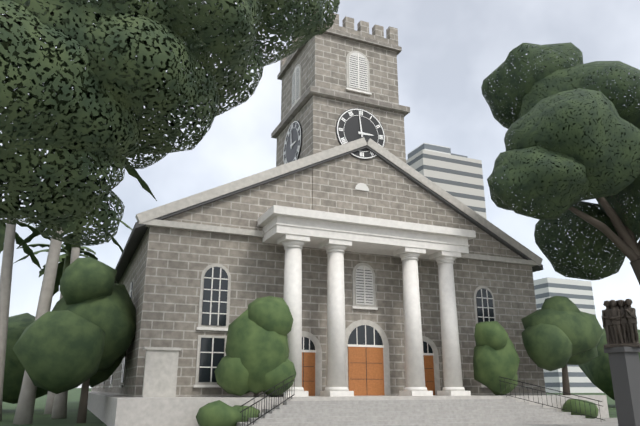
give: {"hour": 2, "minute": 59}
